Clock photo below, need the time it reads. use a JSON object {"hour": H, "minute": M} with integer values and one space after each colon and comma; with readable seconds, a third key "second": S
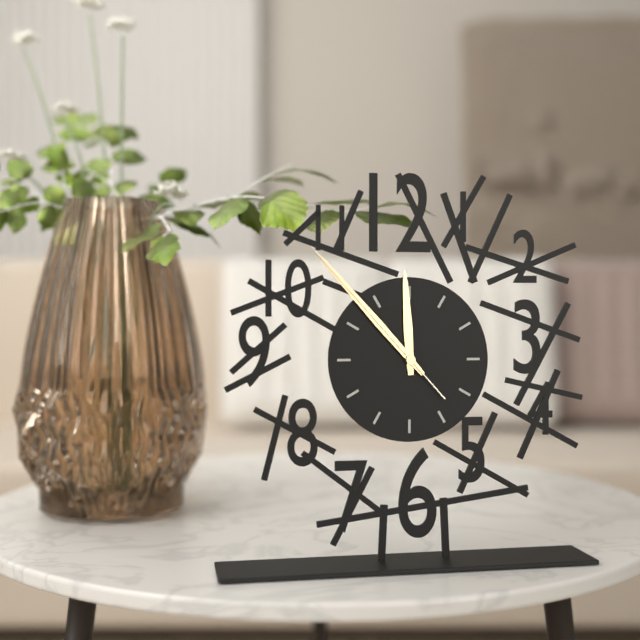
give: {"hour": 11, "minute": 53, "second": 53}
